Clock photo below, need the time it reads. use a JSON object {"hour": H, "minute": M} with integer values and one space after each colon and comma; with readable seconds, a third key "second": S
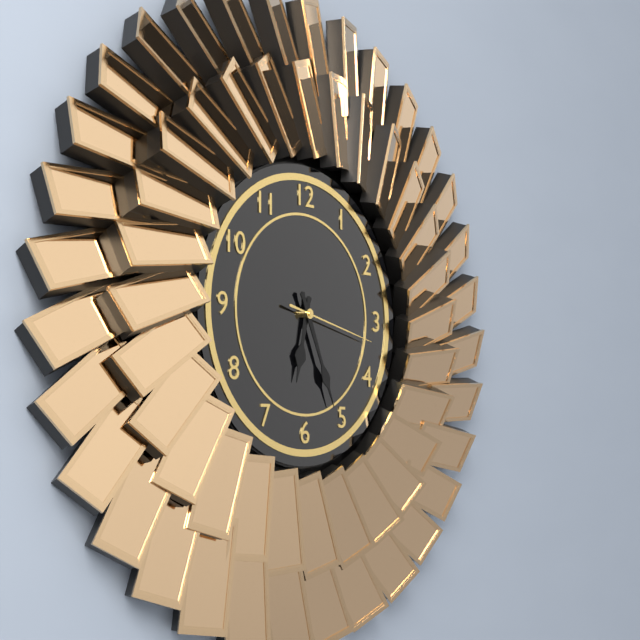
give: {"hour": 6, "minute": 26, "second": 17}
